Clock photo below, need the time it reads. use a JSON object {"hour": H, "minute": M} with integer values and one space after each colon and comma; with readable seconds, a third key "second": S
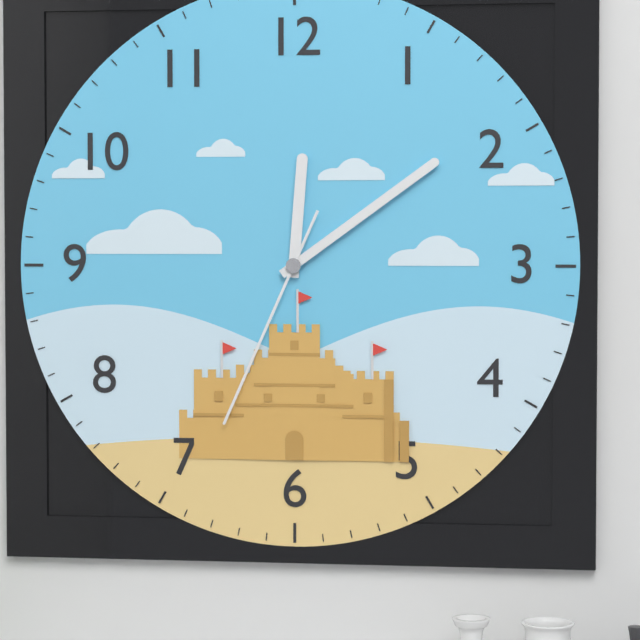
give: {"hour": 12, "minute": 9, "second": 34}
